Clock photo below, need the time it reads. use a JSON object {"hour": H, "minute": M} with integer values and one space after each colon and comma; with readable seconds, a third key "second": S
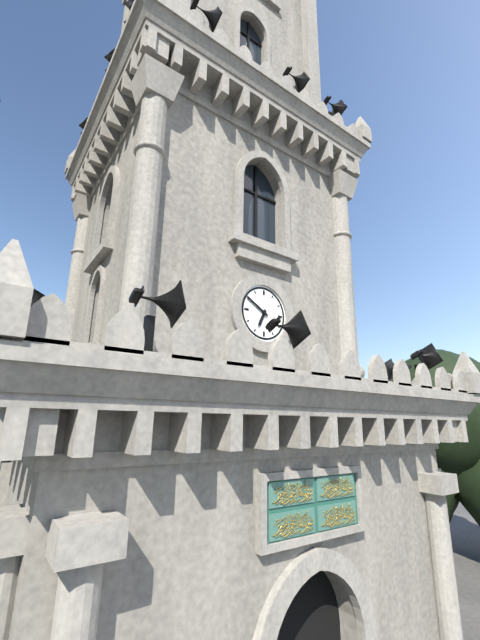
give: {"hour": 6, "minute": 50}
